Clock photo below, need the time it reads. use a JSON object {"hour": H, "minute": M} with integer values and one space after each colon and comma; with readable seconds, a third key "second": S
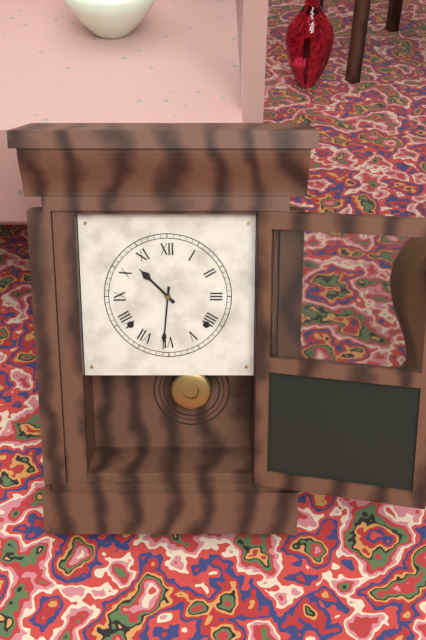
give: {"hour": 10, "minute": 31}
